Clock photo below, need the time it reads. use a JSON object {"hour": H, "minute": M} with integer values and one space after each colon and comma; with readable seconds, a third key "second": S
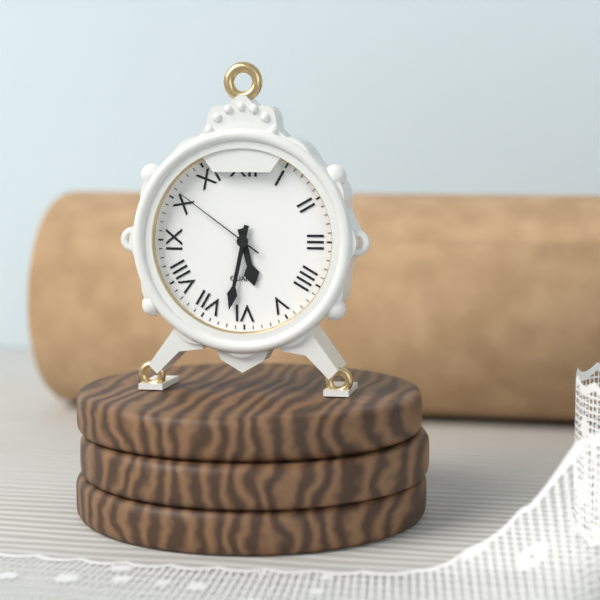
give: {"hour": 5, "minute": 32, "second": 51}
